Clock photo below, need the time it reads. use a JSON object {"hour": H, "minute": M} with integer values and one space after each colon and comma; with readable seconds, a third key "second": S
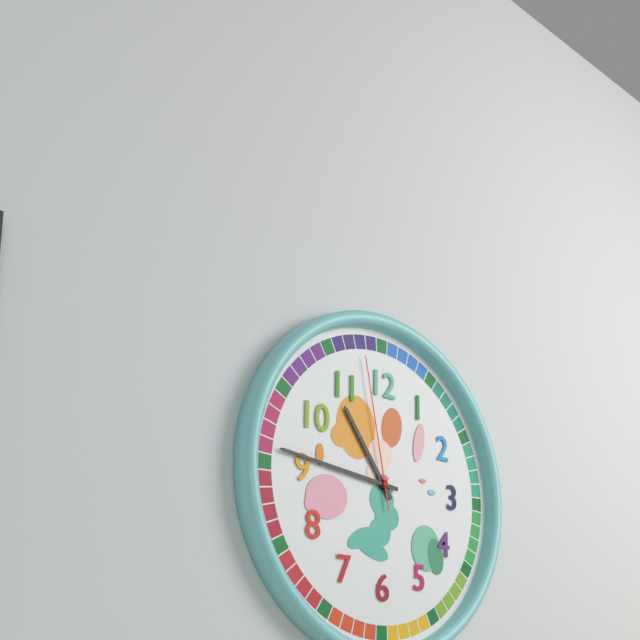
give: {"hour": 10, "minute": 46, "second": 58}
